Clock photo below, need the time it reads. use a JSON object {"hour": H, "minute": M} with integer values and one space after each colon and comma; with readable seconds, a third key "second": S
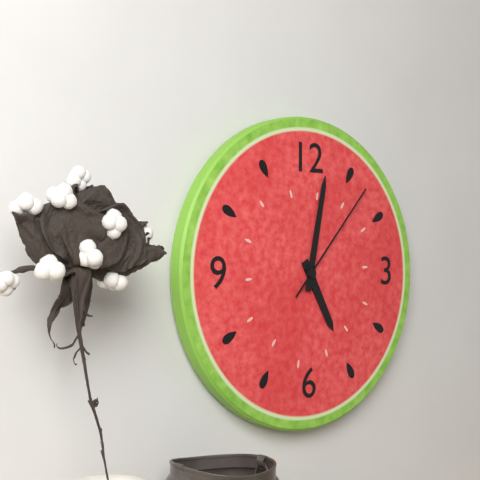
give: {"hour": 5, "minute": 2, "second": 7}
